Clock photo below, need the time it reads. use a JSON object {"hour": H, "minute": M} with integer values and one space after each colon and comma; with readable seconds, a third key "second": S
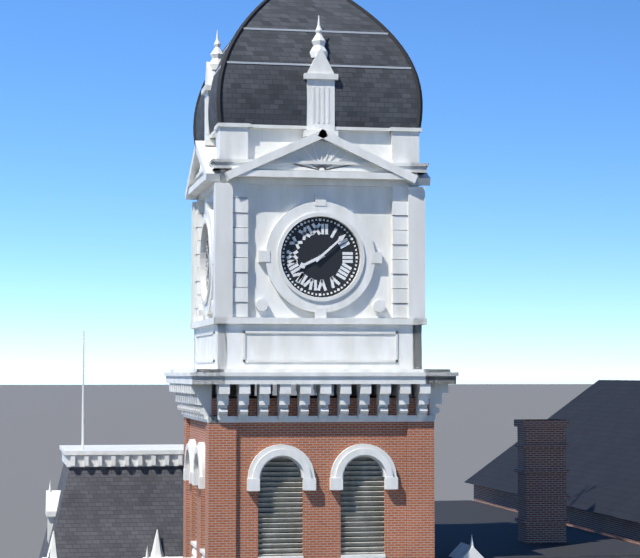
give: {"hour": 8, "minute": 8}
